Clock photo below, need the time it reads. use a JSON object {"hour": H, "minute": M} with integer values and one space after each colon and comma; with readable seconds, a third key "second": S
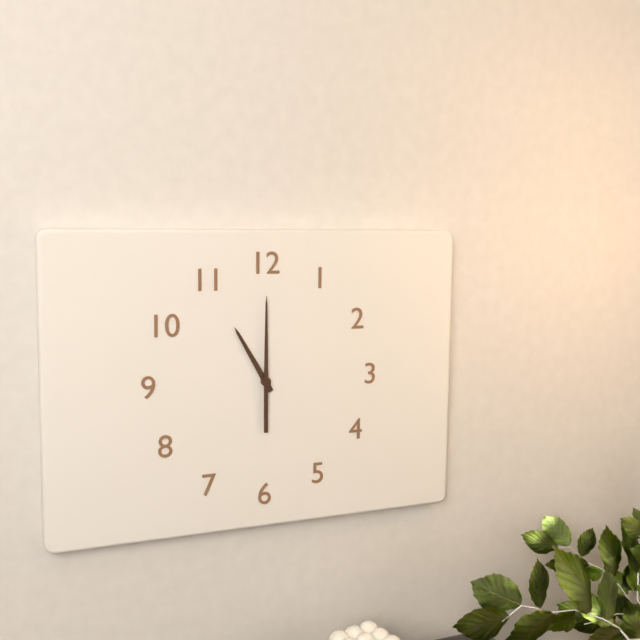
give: {"hour": 11, "minute": 0}
